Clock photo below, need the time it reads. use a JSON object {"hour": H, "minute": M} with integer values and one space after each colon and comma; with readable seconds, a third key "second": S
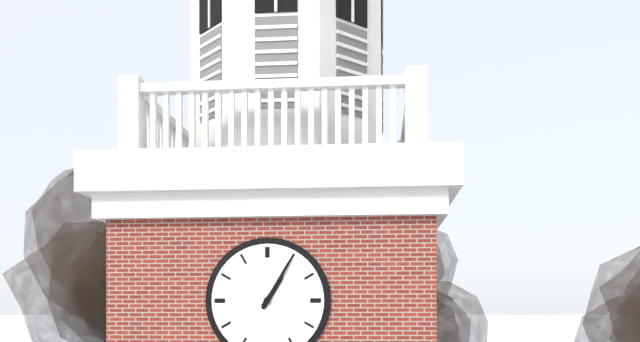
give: {"hour": 1, "minute": 5}
